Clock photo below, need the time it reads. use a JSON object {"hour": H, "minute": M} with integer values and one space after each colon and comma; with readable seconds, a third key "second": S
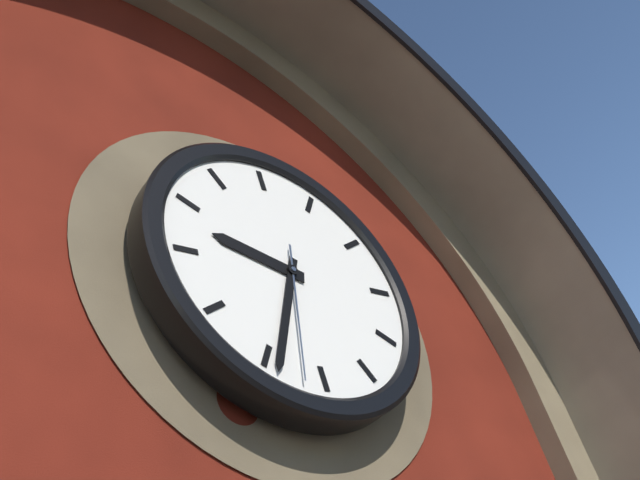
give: {"hour": 9, "minute": 34, "second": 32}
